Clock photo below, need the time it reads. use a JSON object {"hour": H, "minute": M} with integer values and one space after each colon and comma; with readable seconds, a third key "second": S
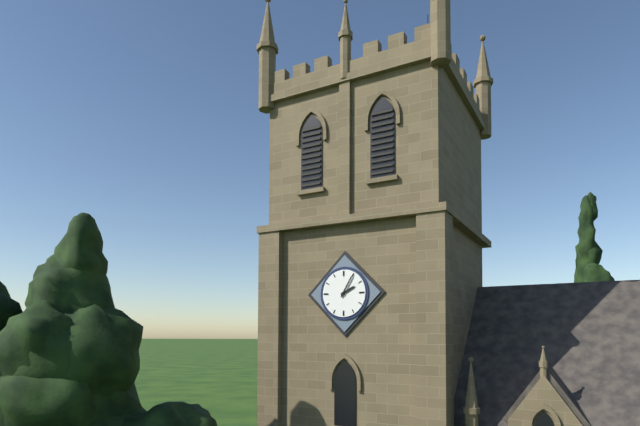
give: {"hour": 2, "minute": 5}
